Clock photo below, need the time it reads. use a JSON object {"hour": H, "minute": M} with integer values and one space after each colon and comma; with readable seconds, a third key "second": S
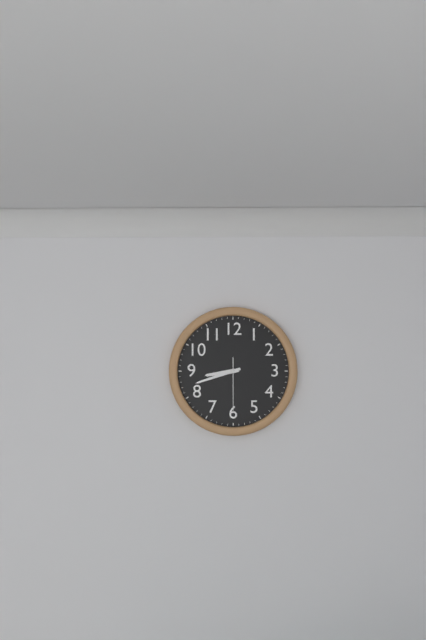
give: {"hour": 8, "minute": 42, "second": 30}
